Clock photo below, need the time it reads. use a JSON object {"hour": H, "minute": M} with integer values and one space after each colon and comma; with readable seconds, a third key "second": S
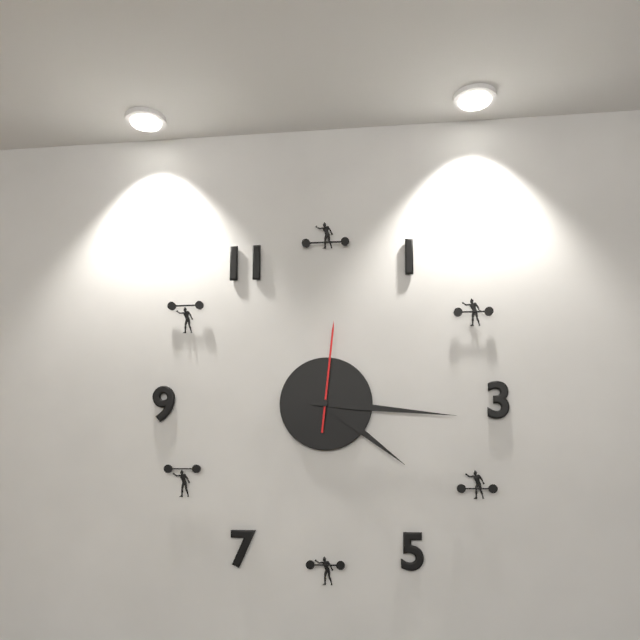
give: {"hour": 4, "minute": 16, "second": 1}
